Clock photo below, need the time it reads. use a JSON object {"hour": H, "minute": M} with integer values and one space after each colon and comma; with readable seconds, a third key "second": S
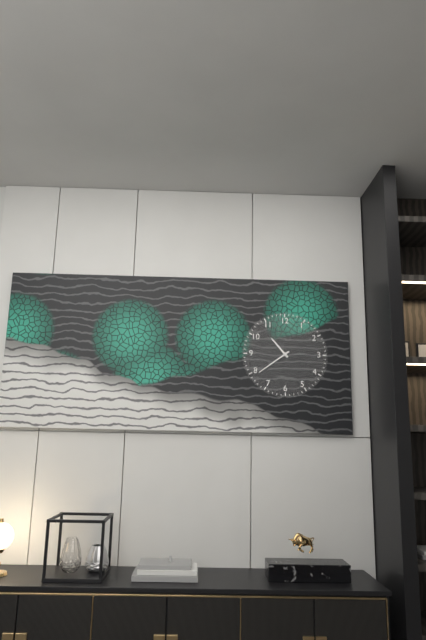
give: {"hour": 10, "minute": 39}
